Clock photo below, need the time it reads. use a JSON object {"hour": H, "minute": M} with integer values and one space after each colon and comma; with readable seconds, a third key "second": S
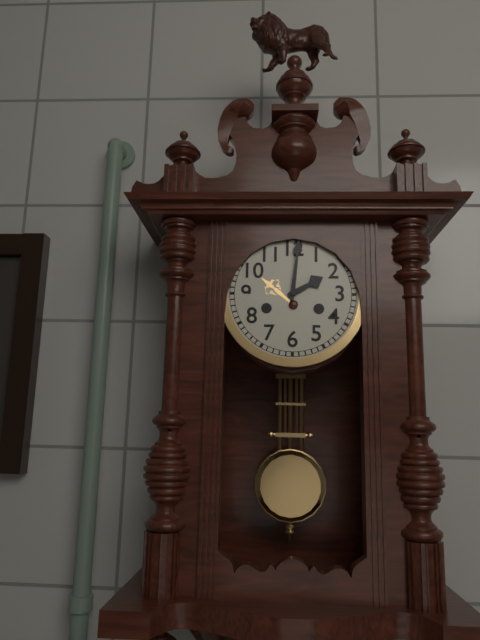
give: {"hour": 2, "minute": 1}
